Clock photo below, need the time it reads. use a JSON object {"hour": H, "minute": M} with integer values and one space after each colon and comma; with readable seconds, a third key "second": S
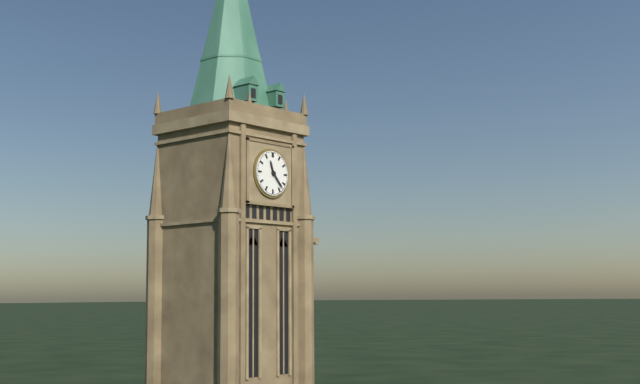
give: {"hour": 11, "minute": 23}
